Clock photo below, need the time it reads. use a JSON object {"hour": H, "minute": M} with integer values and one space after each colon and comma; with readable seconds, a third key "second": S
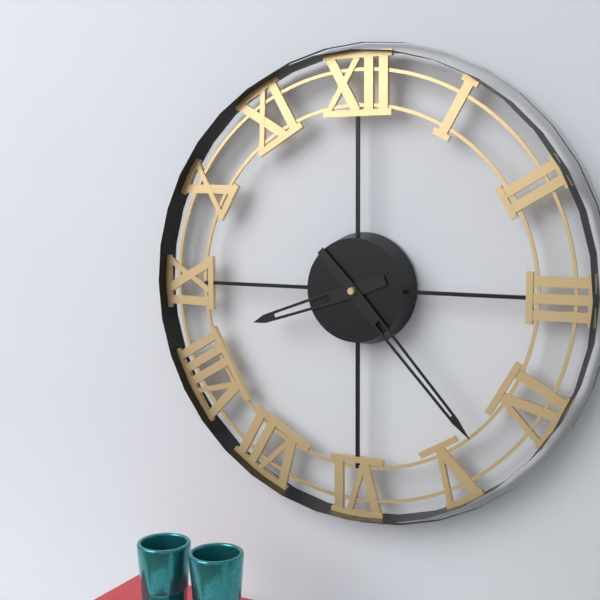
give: {"hour": 8, "minute": 23}
